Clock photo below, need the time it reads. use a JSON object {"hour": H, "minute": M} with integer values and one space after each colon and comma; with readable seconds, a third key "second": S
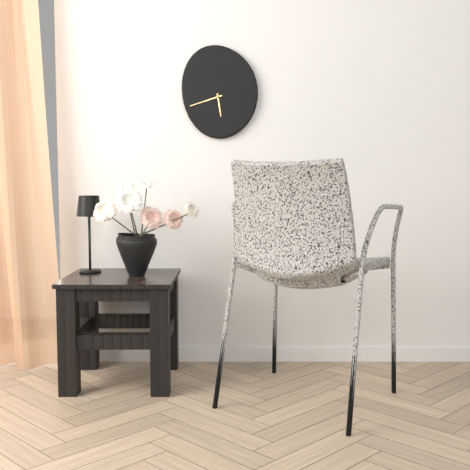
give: {"hour": 5, "minute": 42}
